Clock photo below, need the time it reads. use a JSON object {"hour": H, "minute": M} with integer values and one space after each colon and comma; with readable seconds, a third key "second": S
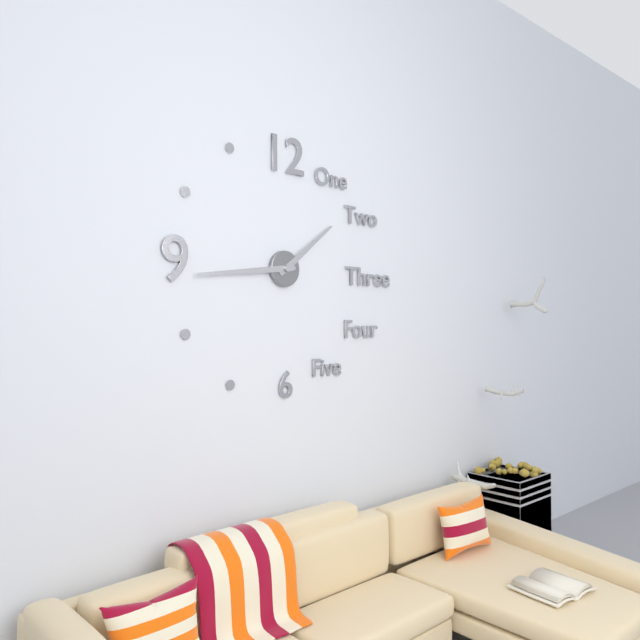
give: {"hour": 1, "minute": 44}
